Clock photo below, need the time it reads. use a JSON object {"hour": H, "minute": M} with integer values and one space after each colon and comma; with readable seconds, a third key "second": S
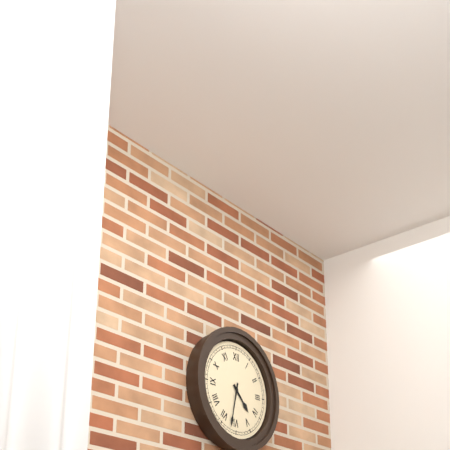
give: {"hour": 4, "minute": 32}
